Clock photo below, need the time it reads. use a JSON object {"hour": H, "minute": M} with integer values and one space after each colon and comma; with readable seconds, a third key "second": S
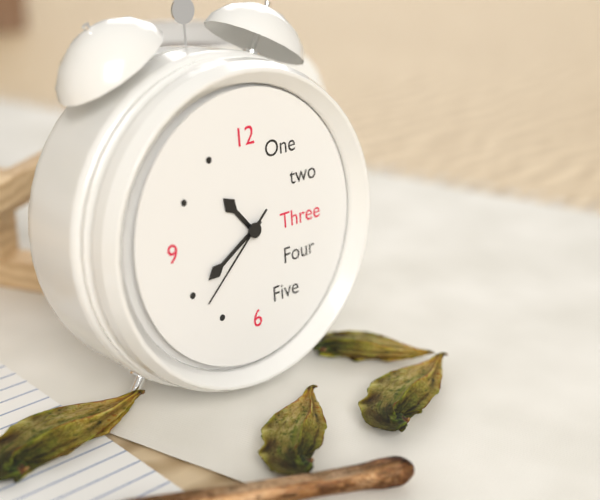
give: {"hour": 10, "minute": 40, "second": 38}
